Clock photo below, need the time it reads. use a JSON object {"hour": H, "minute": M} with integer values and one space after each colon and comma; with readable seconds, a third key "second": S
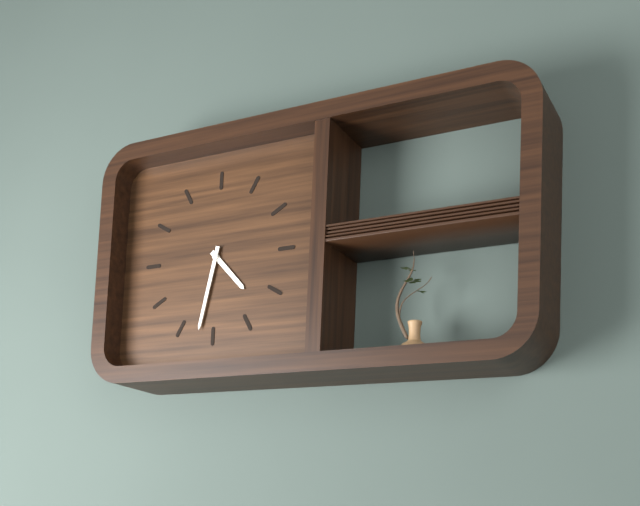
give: {"hour": 4, "minute": 32}
